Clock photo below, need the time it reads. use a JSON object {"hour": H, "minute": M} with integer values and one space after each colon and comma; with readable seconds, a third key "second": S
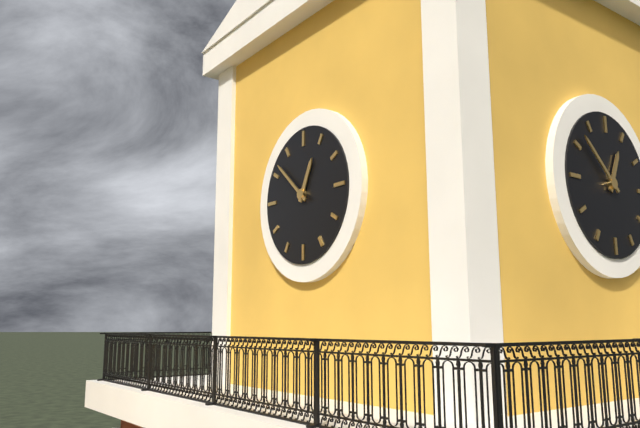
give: {"hour": 12, "minute": 52}
